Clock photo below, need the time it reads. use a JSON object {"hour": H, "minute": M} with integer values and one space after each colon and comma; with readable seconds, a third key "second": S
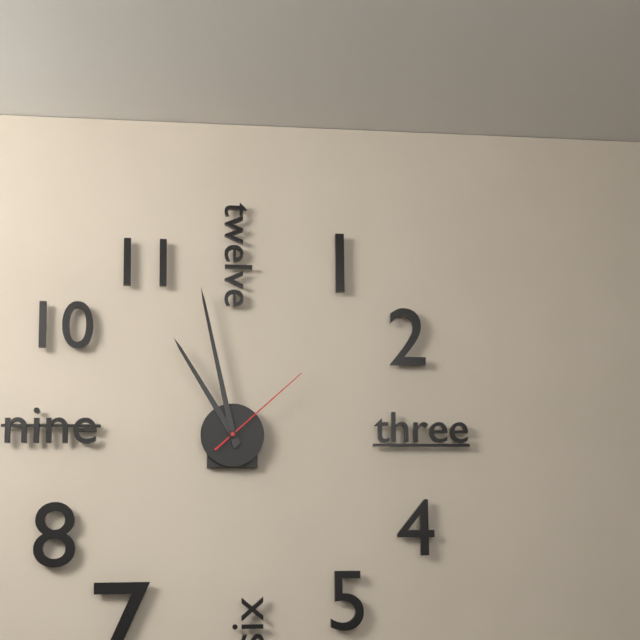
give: {"hour": 10, "minute": 58, "second": 8}
